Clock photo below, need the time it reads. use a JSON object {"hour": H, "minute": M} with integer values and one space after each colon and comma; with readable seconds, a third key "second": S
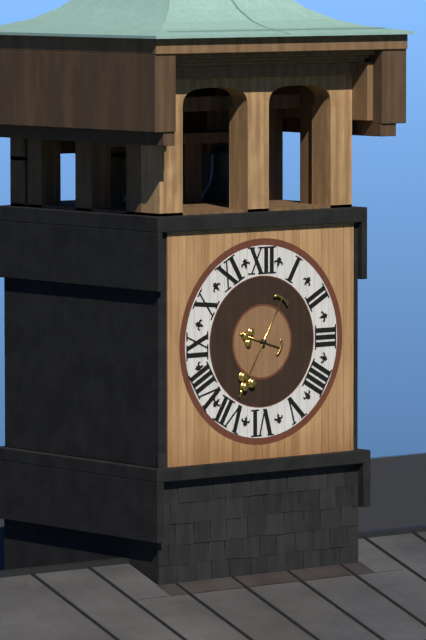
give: {"hour": 9, "minute": 35}
